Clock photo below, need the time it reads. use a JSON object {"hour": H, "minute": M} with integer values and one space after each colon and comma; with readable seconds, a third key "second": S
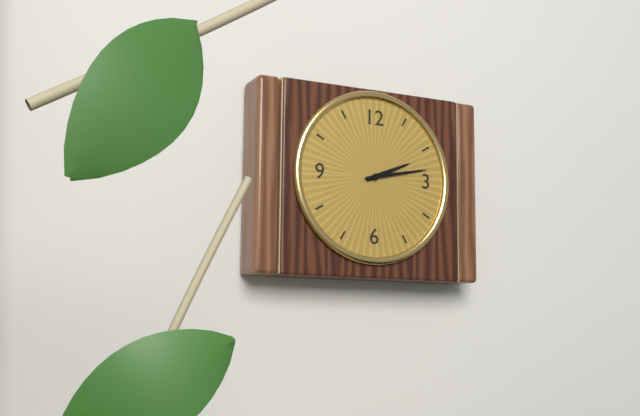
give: {"hour": 2, "minute": 13}
